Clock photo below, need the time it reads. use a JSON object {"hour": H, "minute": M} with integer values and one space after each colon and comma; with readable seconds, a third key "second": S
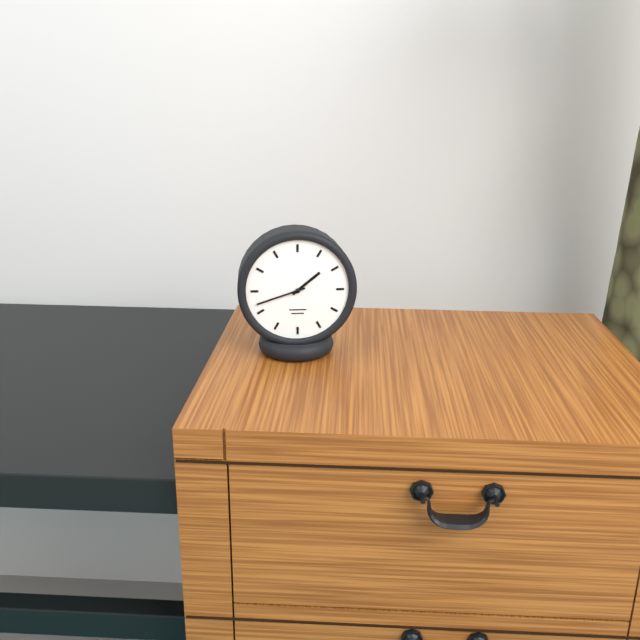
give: {"hour": 1, "minute": 42}
